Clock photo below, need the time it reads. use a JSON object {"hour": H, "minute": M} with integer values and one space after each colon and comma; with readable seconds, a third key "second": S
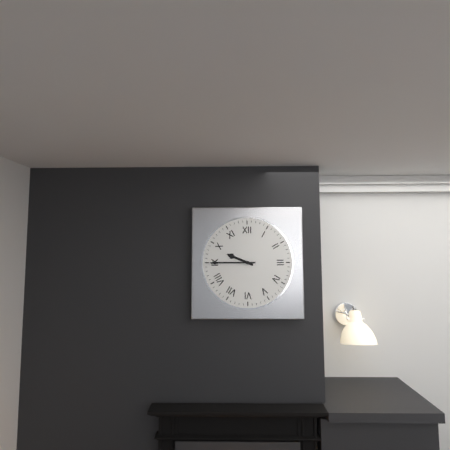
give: {"hour": 9, "minute": 45}
